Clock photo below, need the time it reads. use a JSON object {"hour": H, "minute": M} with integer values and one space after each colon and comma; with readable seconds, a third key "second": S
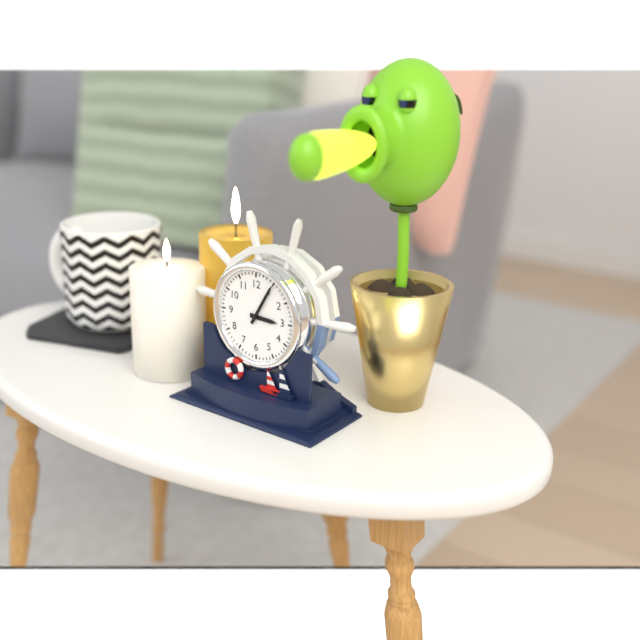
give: {"hour": 3, "minute": 5}
